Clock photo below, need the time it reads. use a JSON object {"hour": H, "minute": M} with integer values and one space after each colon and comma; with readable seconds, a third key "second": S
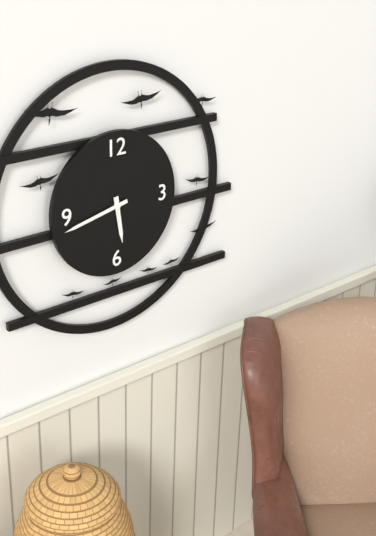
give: {"hour": 5, "minute": 43}
